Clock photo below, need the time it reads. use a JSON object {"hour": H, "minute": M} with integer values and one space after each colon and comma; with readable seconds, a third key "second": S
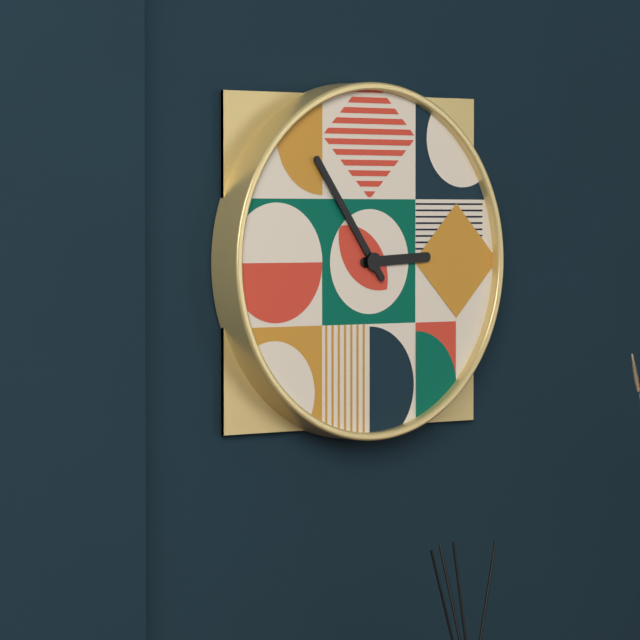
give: {"hour": 2, "minute": 54}
